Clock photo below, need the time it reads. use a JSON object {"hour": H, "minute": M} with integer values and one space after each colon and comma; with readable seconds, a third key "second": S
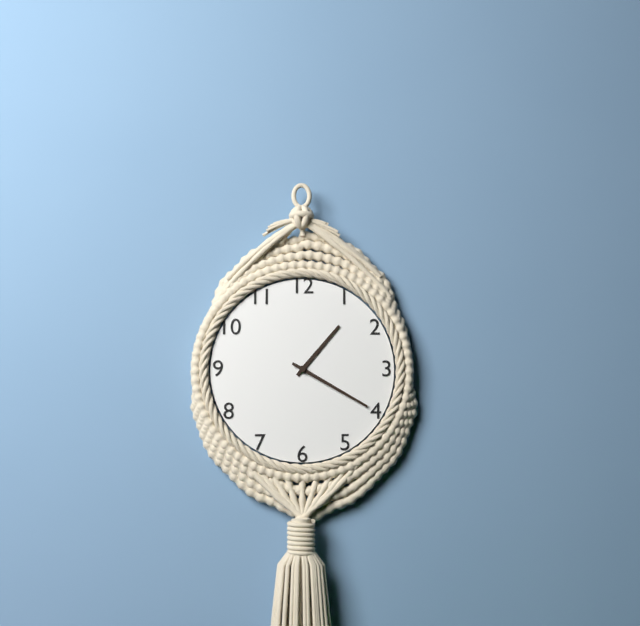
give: {"hour": 1, "minute": 20}
